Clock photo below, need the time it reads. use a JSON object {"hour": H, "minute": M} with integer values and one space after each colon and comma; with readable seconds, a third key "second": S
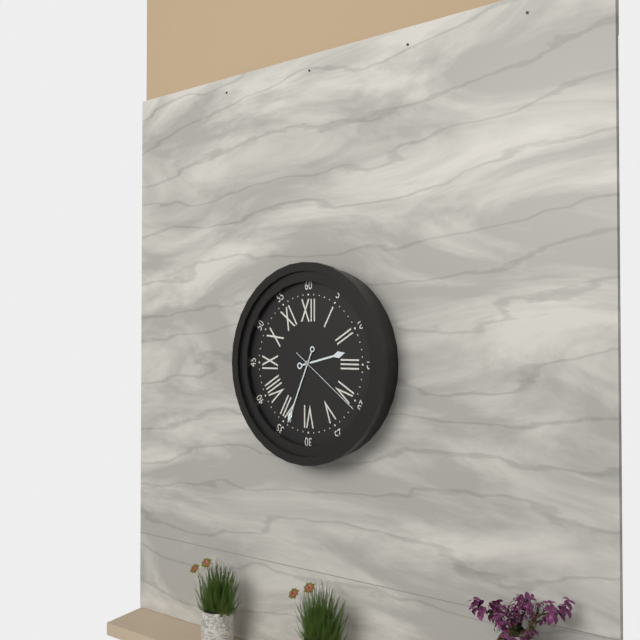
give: {"hour": 2, "minute": 34, "second": 21}
